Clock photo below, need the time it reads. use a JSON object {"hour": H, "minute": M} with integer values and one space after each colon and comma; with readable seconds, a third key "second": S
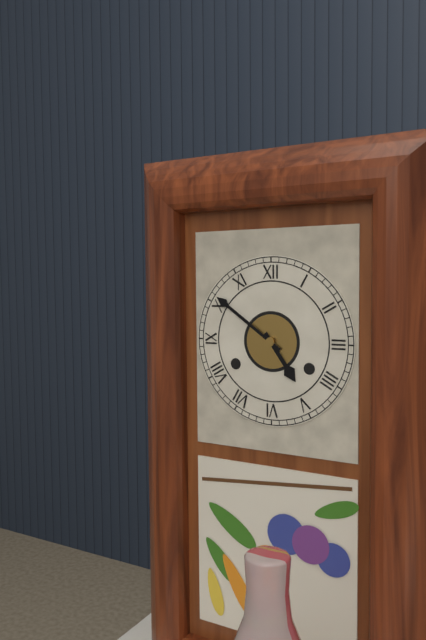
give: {"hour": 4, "minute": 51}
